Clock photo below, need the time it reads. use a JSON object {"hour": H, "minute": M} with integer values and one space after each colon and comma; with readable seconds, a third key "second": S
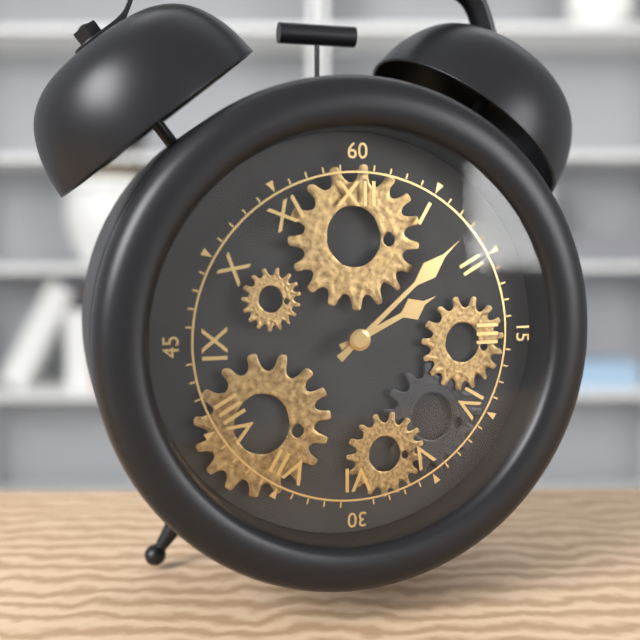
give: {"hour": 2, "minute": 8}
